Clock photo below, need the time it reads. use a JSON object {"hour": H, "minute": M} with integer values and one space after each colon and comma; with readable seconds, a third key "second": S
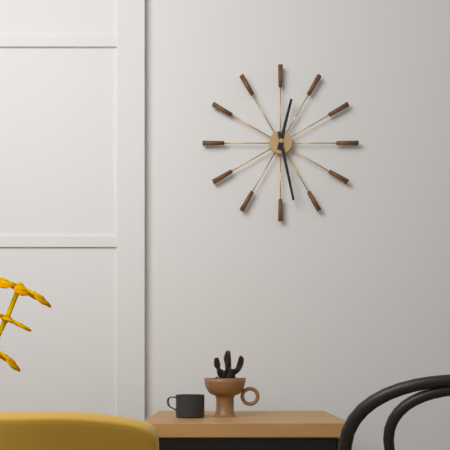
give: {"hour": 12, "minute": 28}
